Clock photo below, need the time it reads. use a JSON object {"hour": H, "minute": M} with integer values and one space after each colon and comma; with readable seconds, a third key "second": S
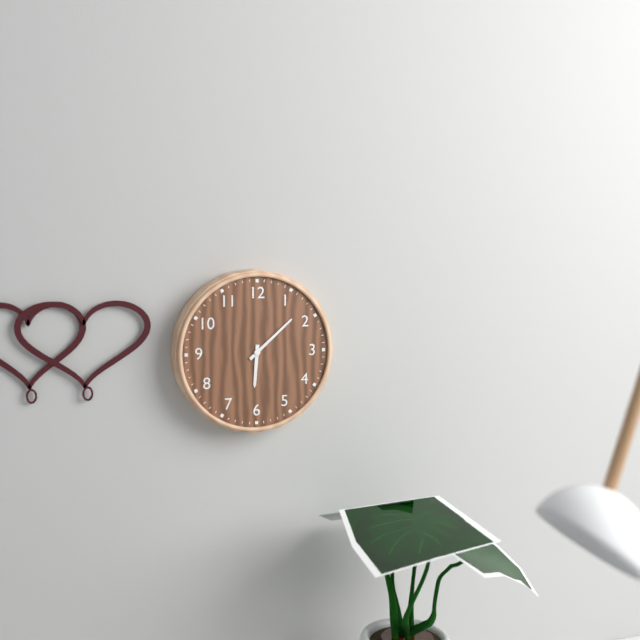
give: {"hour": 6, "minute": 8}
